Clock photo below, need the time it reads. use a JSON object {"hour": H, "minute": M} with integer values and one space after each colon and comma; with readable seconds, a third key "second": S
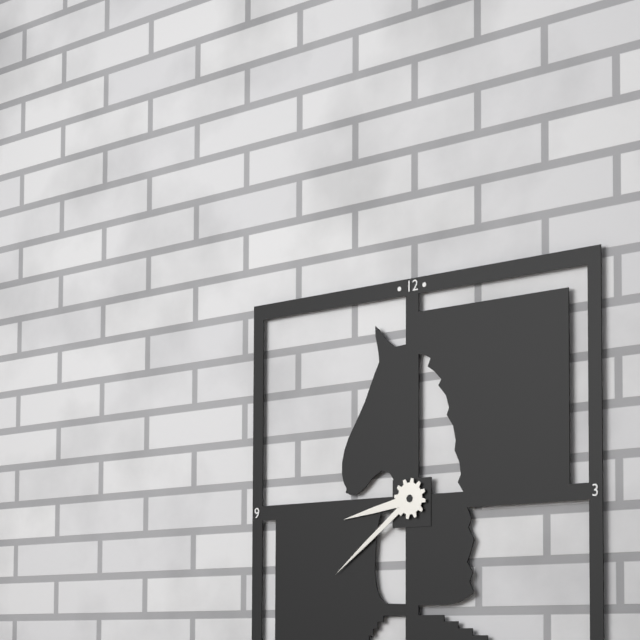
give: {"hour": 8, "minute": 39}
